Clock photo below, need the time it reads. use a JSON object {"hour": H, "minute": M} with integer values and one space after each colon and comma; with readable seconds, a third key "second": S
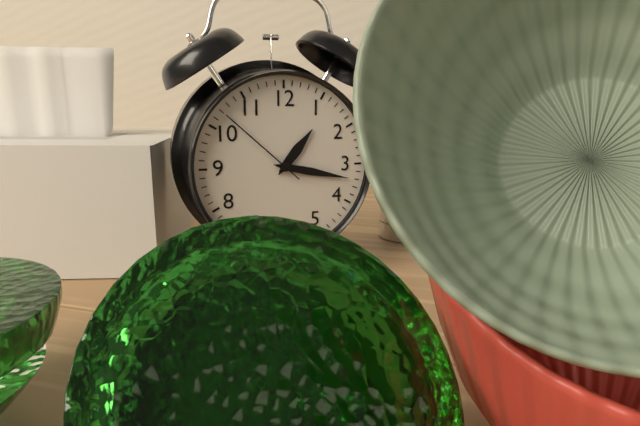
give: {"hour": 1, "minute": 17, "second": 52}
